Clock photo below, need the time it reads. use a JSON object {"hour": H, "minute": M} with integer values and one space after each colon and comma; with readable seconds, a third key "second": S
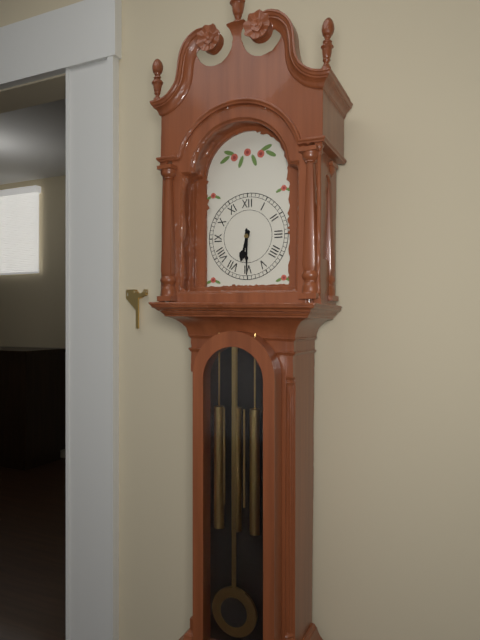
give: {"hour": 6, "minute": 30}
